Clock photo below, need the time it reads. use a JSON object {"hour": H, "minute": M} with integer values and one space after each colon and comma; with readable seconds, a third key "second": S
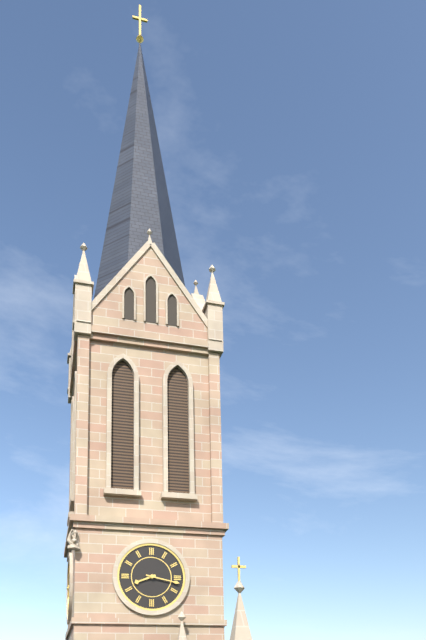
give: {"hour": 8, "minute": 17}
